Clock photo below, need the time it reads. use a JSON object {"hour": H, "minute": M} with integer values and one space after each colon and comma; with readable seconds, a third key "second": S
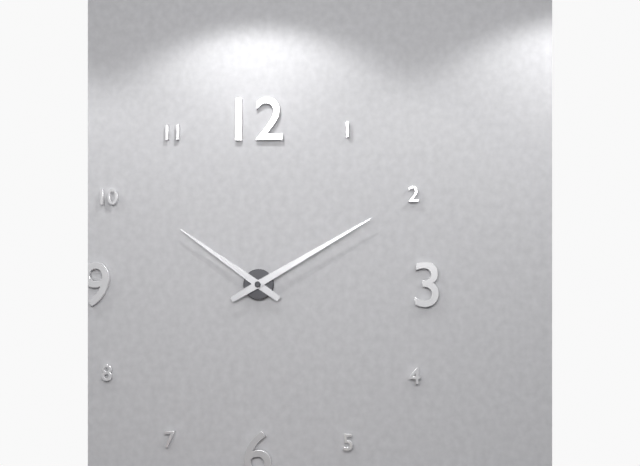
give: {"hour": 10, "minute": 10}
